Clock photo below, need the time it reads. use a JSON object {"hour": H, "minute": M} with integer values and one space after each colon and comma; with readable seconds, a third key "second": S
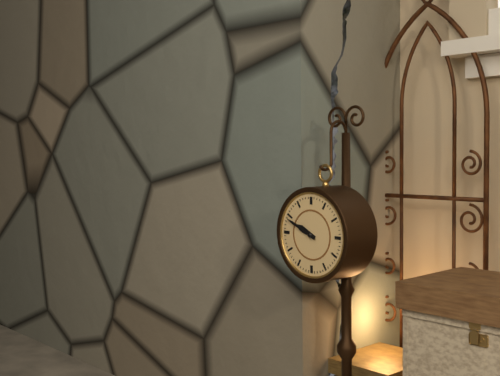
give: {"hour": 9, "minute": 49}
